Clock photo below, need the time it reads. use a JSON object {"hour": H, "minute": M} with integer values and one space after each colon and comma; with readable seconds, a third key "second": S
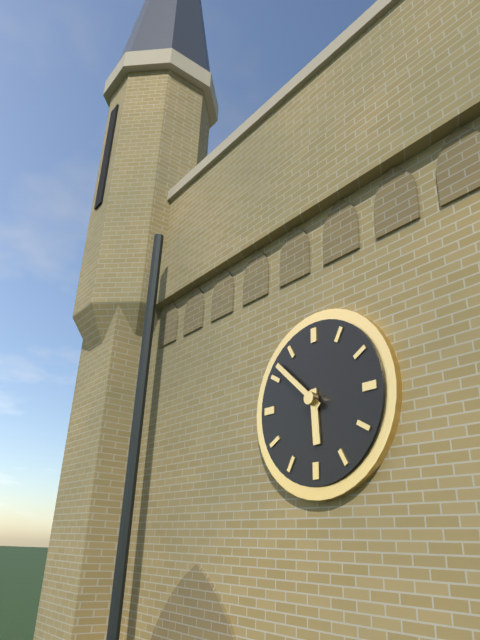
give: {"hour": 5, "minute": 52}
